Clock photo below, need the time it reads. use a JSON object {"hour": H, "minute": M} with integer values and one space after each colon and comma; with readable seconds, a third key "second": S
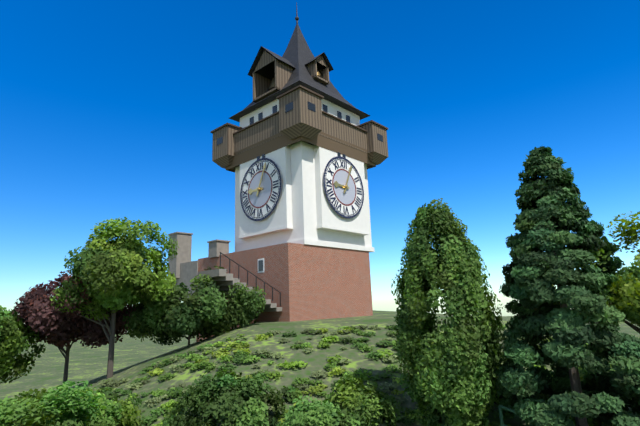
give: {"hour": 9, "minute": 4}
